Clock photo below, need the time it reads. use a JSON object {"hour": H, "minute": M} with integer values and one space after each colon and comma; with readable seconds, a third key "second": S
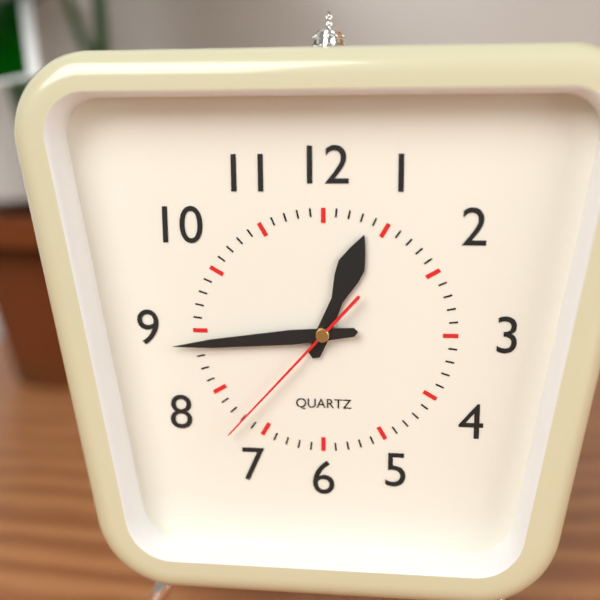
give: {"hour": 12, "minute": 44, "second": 37}
